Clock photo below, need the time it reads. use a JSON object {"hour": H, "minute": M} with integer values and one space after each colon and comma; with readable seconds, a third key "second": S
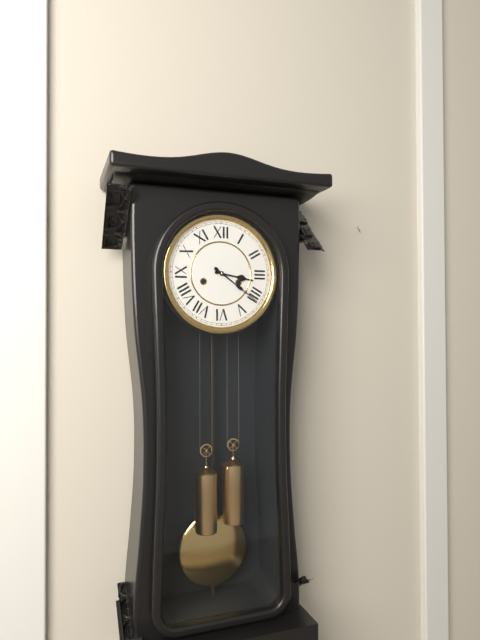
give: {"hour": 3, "minute": 21}
